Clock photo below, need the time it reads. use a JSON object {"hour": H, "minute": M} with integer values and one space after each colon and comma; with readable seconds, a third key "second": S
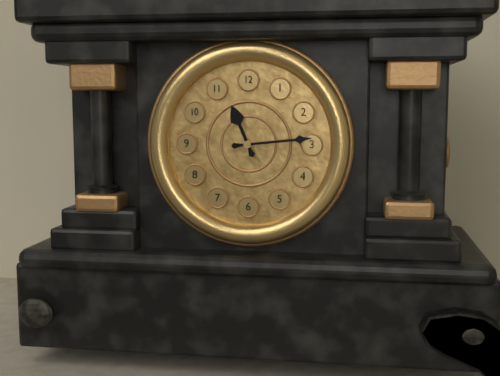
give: {"hour": 11, "minute": 14}
